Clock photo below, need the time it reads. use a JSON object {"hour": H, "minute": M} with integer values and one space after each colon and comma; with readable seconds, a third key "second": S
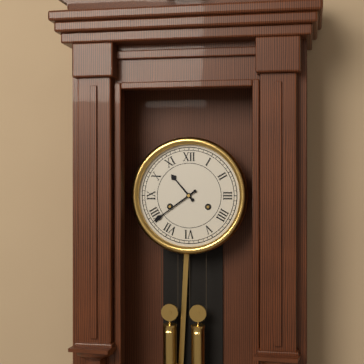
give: {"hour": 10, "minute": 39}
